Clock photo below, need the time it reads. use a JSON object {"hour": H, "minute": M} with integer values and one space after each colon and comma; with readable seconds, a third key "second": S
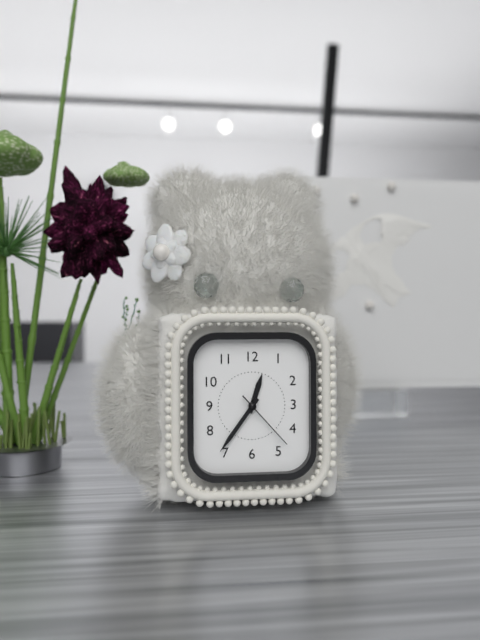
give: {"hour": 12, "minute": 36, "second": 23}
